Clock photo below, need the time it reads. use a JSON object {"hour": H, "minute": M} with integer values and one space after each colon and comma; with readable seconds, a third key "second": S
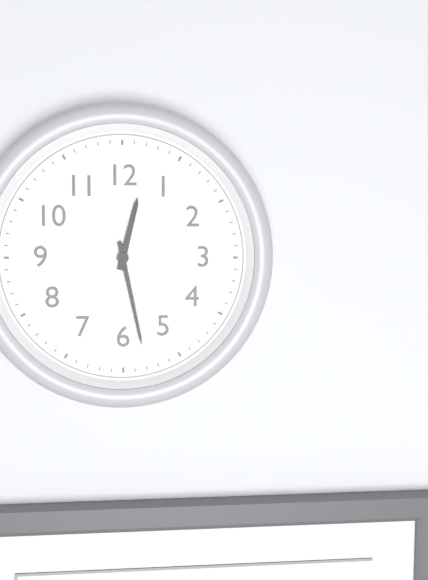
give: {"hour": 12, "minute": 28}
